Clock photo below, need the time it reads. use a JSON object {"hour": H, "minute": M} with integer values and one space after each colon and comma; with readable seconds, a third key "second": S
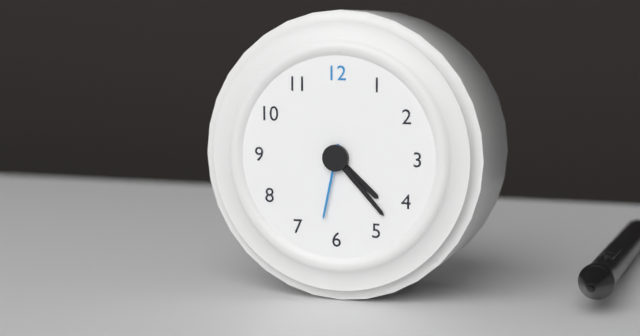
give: {"hour": 4, "minute": 23, "second": 32}
